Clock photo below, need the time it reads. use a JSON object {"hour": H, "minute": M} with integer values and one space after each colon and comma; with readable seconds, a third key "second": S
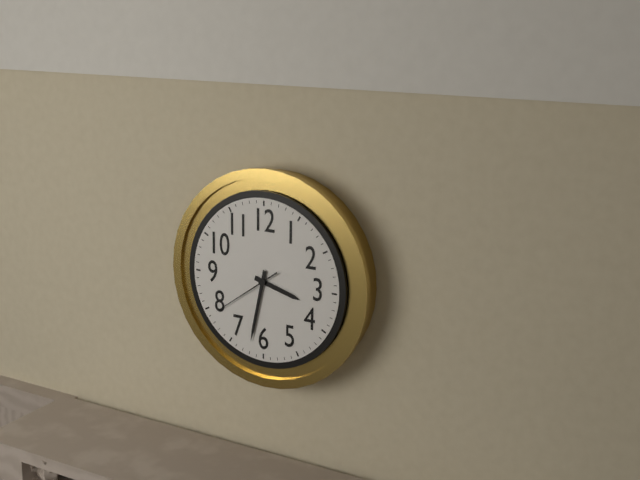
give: {"hour": 3, "minute": 32, "second": 39}
